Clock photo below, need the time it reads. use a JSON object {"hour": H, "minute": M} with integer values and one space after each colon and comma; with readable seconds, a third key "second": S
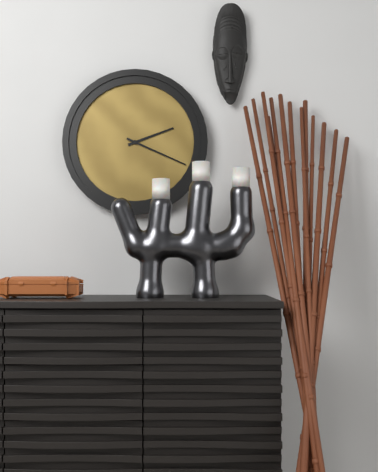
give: {"hour": 2, "minute": 19}
